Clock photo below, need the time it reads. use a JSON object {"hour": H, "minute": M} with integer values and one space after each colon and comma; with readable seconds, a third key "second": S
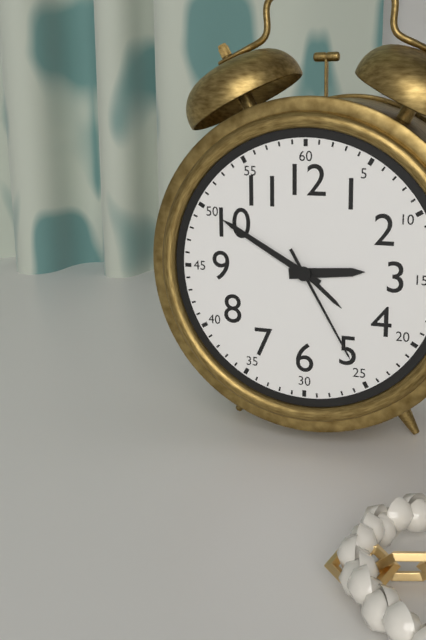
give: {"hour": 2, "minute": 50, "second": 25}
